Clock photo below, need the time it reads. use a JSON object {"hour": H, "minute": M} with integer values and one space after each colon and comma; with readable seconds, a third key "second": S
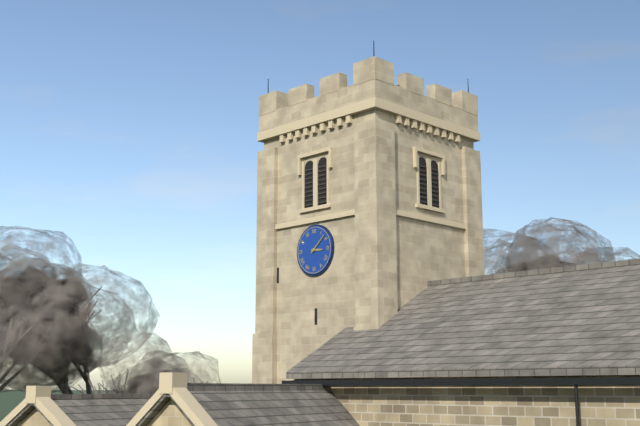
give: {"hour": 3, "minute": 8}
